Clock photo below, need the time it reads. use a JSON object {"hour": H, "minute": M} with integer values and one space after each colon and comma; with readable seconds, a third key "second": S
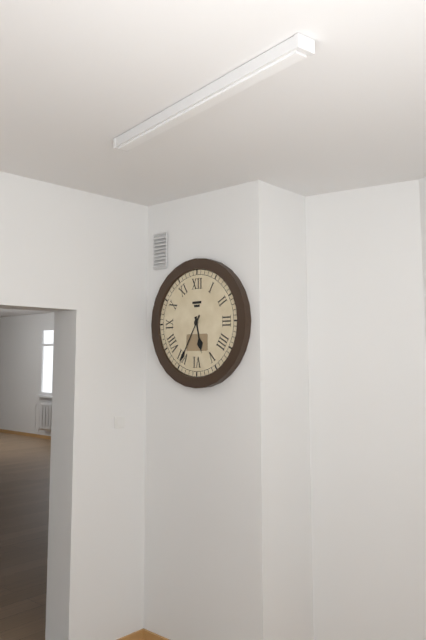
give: {"hour": 5, "minute": 35}
